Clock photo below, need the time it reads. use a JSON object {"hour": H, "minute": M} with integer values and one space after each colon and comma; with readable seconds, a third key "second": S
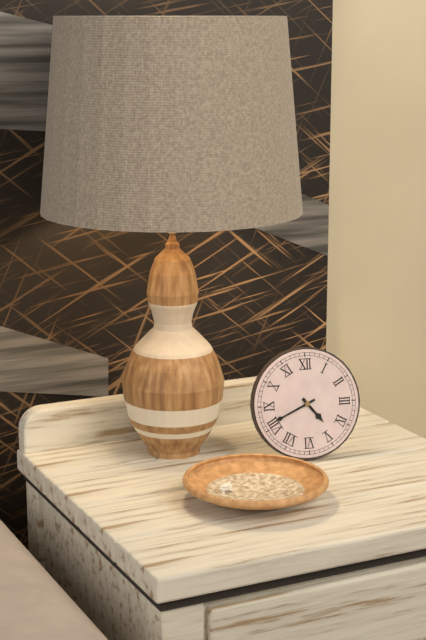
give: {"hour": 4, "minute": 41}
